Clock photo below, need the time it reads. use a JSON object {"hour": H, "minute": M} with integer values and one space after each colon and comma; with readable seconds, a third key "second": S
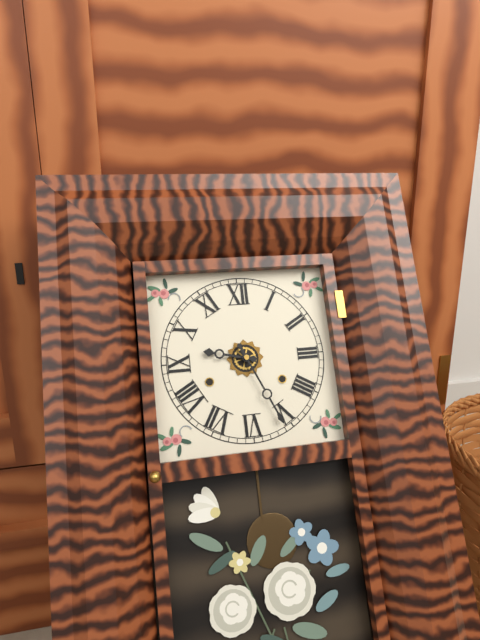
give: {"hour": 9, "minute": 26}
